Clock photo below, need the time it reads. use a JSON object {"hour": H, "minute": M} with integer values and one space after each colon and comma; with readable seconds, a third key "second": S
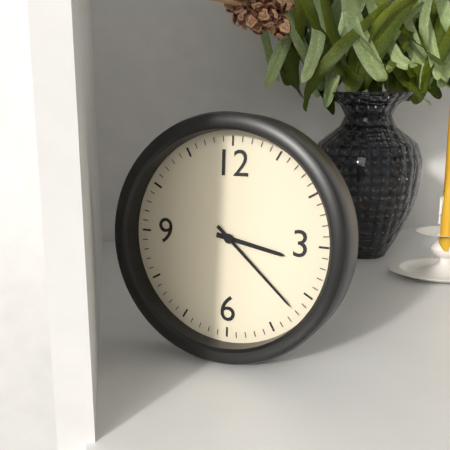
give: {"hour": 3, "minute": 22}
